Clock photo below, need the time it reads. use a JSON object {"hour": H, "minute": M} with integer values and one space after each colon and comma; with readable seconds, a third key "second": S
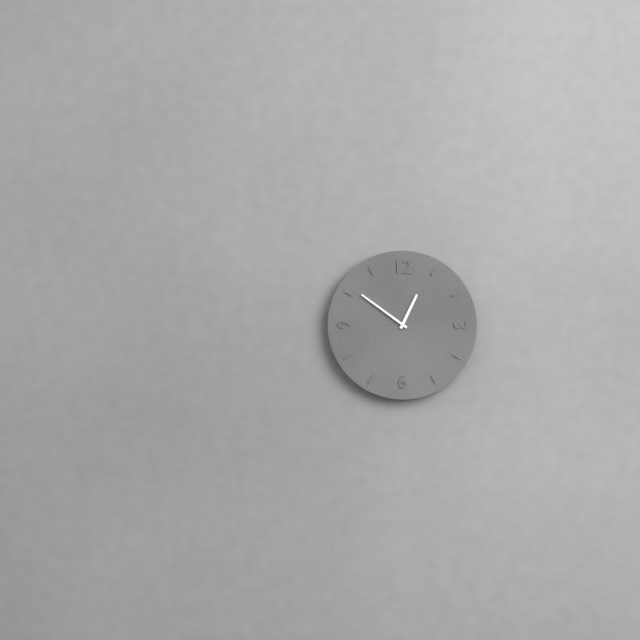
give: {"hour": 12, "minute": 51}
